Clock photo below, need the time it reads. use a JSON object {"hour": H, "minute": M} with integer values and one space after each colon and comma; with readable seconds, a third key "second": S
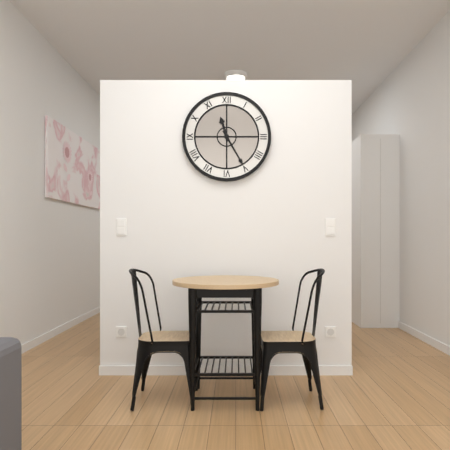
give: {"hour": 11, "minute": 25}
